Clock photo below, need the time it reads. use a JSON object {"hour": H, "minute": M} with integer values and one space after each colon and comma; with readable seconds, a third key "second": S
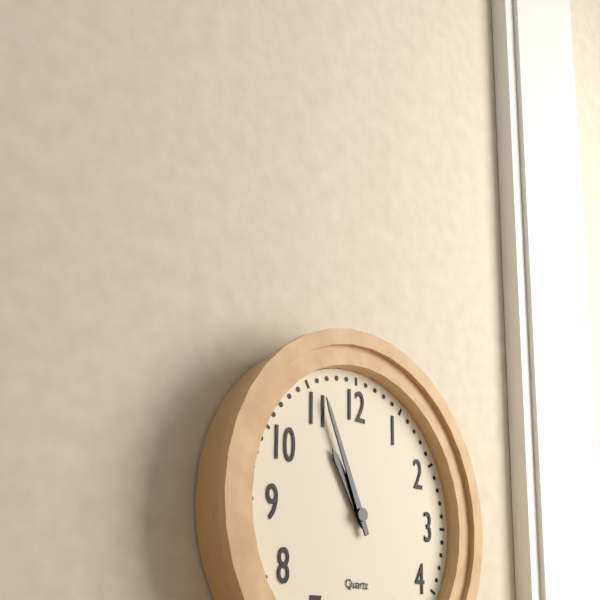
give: {"hour": 10, "minute": 56}
